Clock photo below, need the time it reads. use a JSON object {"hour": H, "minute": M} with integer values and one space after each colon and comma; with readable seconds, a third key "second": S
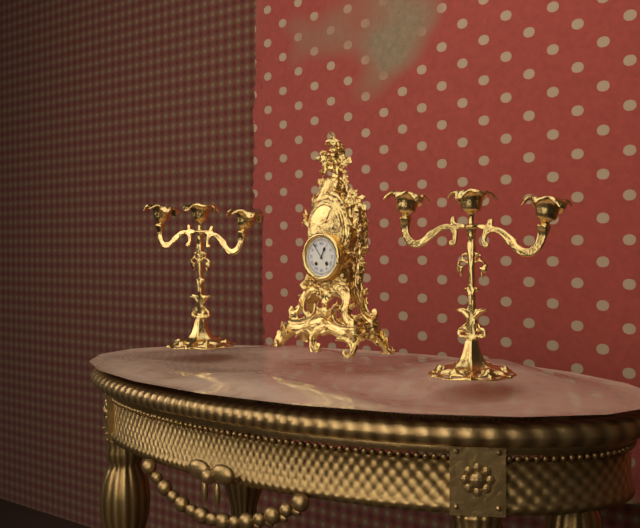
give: {"hour": 12, "minute": 54}
